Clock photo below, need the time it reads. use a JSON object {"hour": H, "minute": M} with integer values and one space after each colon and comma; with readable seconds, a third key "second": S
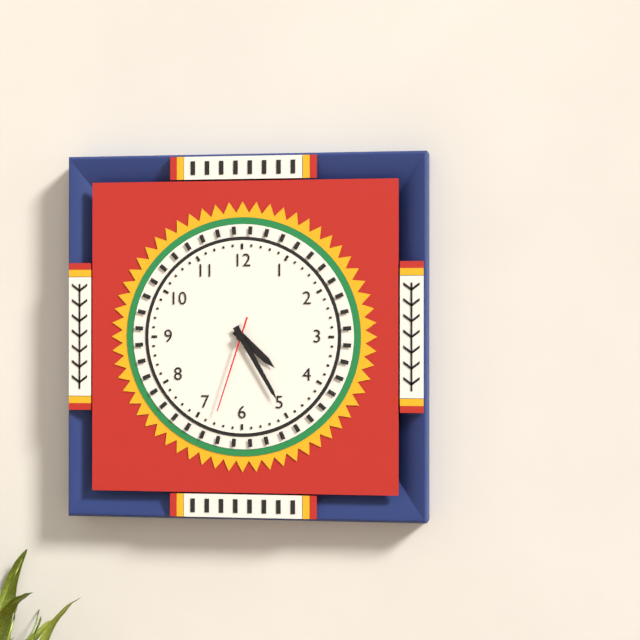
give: {"hour": 4, "minute": 25, "second": 33}
